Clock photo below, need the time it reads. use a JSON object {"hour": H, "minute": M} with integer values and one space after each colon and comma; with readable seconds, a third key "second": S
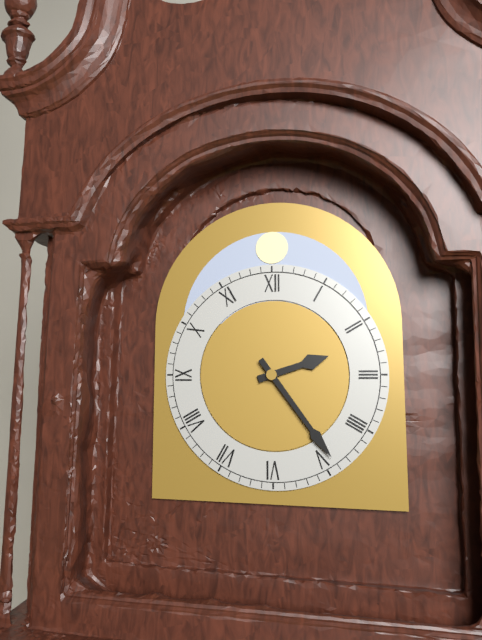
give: {"hour": 2, "minute": 24}
